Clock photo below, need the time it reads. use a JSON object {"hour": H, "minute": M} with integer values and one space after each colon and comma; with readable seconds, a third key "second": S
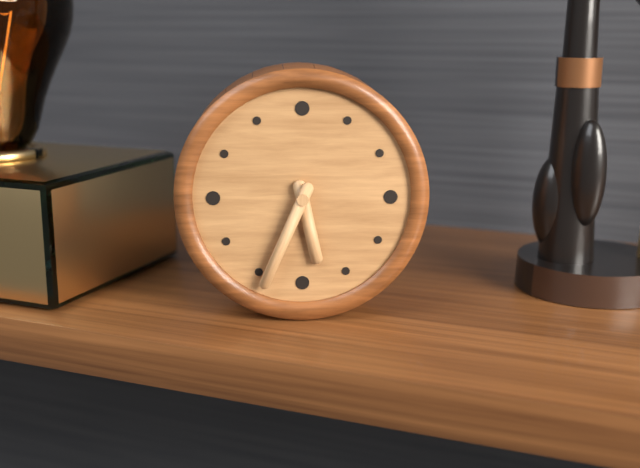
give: {"hour": 5, "minute": 34}
